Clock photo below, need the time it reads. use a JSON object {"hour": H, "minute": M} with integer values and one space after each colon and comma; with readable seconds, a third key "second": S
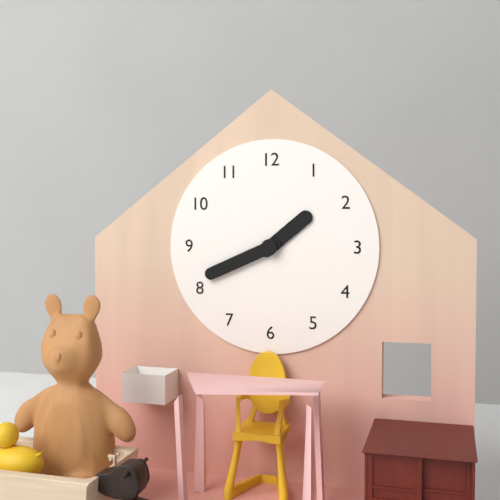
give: {"hour": 1, "minute": 41}
